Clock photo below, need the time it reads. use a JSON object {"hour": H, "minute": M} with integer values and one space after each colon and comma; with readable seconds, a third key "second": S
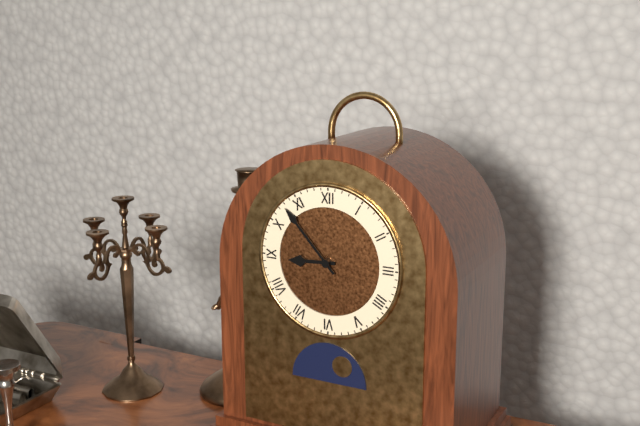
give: {"hour": 8, "minute": 53}
